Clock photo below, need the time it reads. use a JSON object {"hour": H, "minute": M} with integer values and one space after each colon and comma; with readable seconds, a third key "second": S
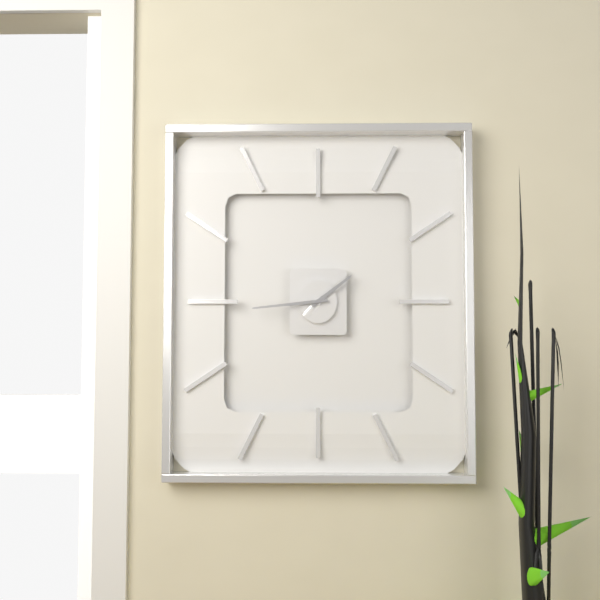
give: {"hour": 1, "minute": 44}
